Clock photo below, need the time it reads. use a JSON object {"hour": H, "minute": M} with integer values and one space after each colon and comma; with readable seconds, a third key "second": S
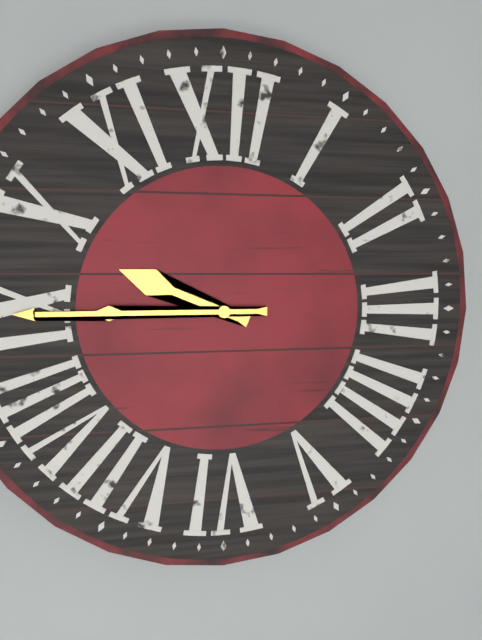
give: {"hour": 9, "minute": 45}
